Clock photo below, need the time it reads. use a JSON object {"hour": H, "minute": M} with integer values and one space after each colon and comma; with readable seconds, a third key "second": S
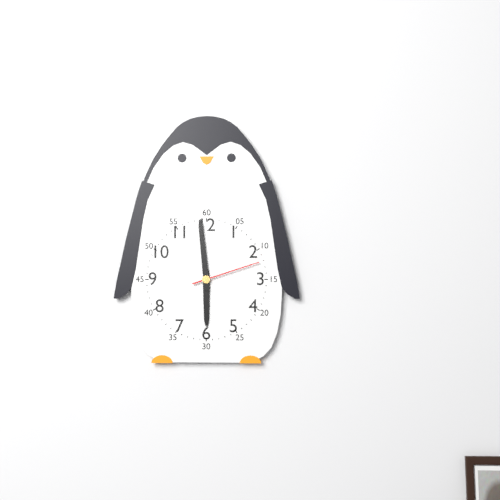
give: {"hour": 5, "minute": 59, "second": 12}
